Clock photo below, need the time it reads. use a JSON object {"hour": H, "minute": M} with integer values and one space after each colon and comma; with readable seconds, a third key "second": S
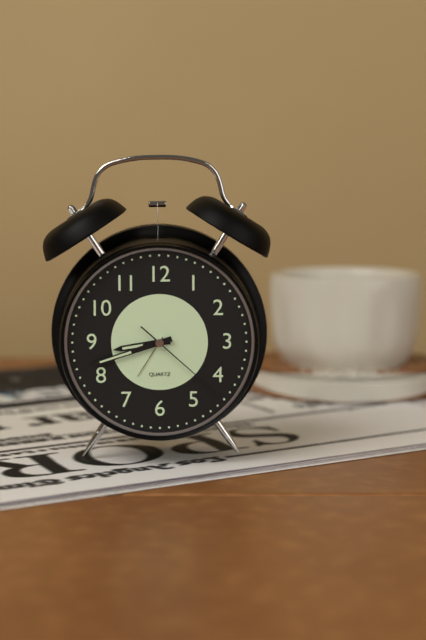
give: {"hour": 8, "minute": 42, "second": 22}
